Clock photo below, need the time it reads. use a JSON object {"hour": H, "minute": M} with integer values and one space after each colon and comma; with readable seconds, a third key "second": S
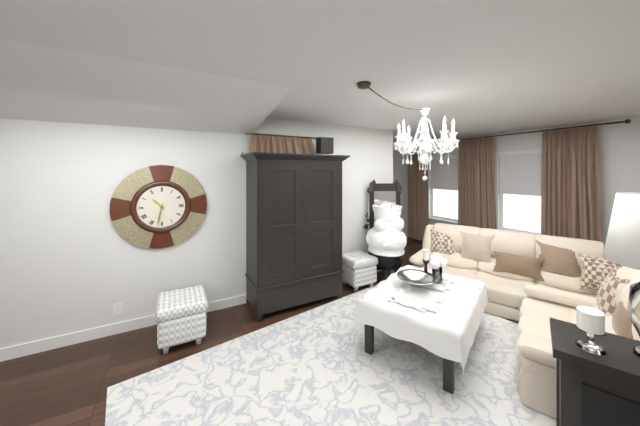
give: {"hour": 10, "minute": 32}
